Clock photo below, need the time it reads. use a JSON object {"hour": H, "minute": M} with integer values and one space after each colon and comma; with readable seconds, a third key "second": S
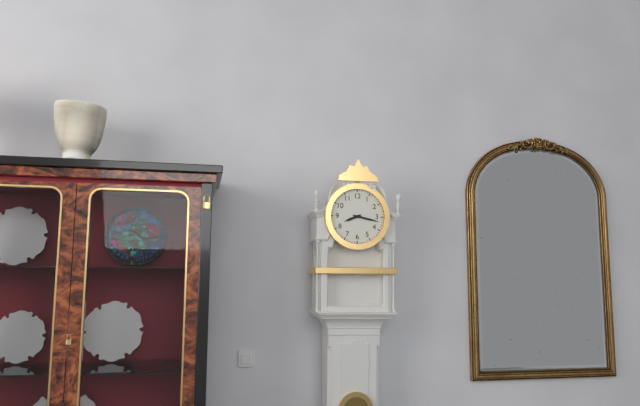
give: {"hour": 8, "minute": 17}
